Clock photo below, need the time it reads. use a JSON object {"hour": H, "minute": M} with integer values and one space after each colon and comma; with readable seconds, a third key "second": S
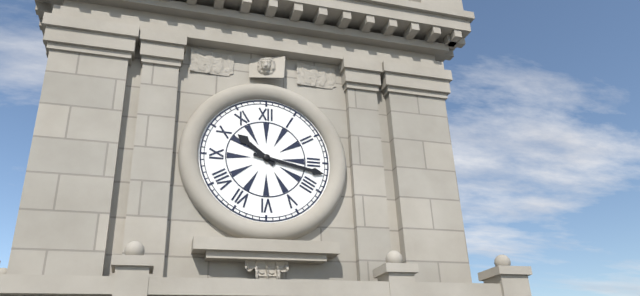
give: {"hour": 10, "minute": 17}
